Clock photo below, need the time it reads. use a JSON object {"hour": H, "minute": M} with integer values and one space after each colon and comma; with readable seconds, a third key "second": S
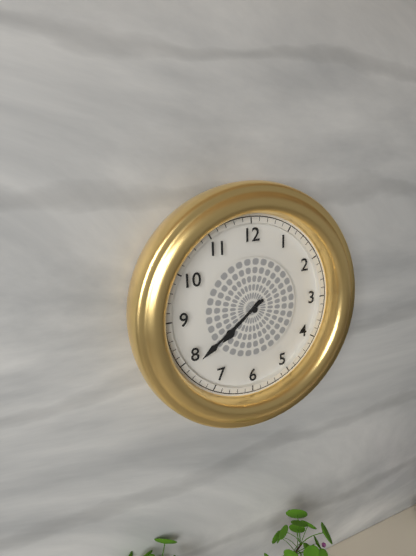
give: {"hour": 7, "minute": 39}
